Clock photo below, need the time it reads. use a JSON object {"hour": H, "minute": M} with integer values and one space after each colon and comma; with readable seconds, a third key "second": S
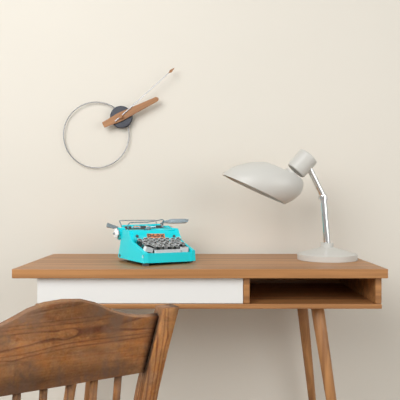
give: {"hour": 2, "minute": 8}
